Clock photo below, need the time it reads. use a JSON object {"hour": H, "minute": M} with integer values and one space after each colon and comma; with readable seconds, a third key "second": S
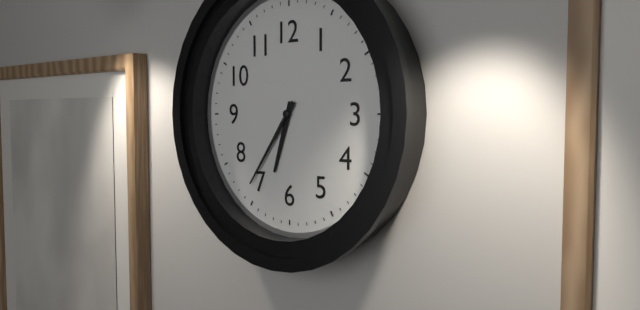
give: {"hour": 6, "minute": 36}
